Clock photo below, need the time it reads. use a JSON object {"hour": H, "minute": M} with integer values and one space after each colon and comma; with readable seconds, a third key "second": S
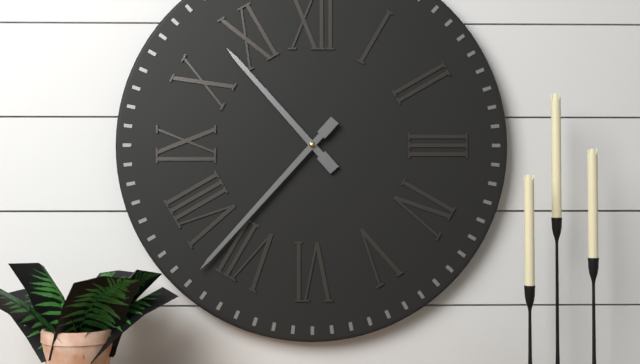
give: {"hour": 10, "minute": 37}
